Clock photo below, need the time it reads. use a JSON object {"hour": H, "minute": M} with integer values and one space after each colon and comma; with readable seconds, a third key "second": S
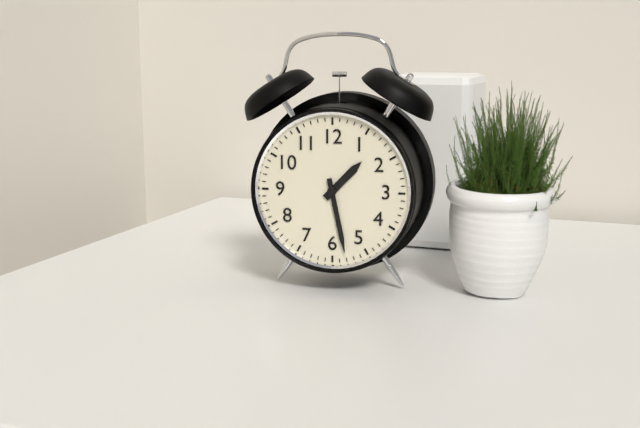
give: {"hour": 1, "minute": 28}
